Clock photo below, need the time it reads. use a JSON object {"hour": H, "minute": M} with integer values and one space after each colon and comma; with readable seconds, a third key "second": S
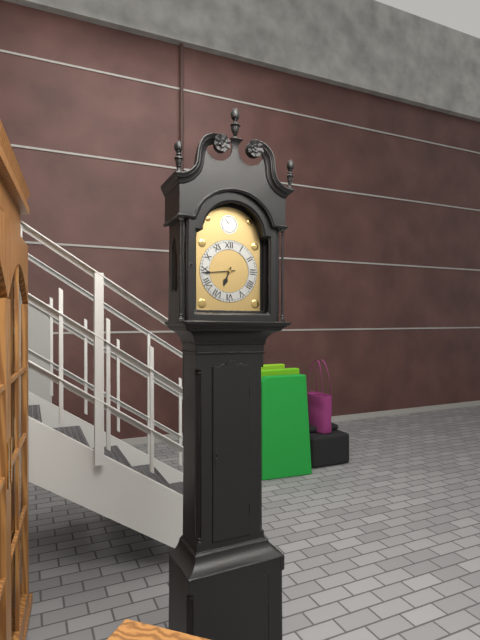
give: {"hour": 6, "minute": 44}
